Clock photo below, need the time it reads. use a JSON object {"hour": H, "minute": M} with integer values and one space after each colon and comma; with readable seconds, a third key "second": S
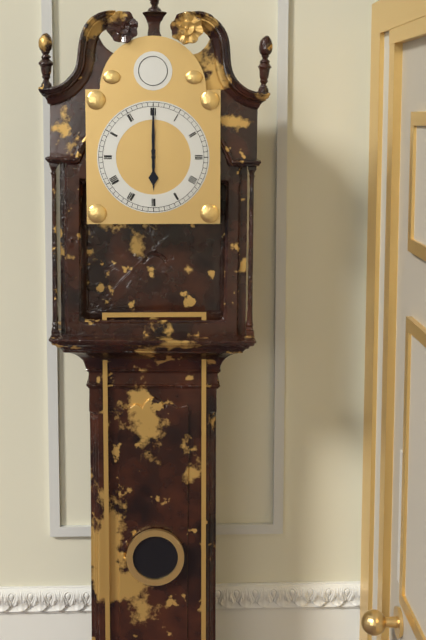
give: {"hour": 6, "minute": 0}
